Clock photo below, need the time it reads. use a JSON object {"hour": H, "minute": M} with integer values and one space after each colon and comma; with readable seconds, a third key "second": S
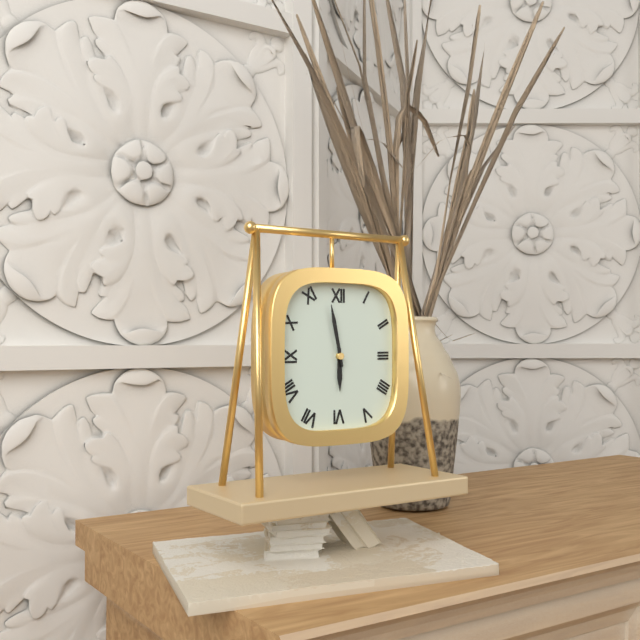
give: {"hour": 5, "minute": 58}
